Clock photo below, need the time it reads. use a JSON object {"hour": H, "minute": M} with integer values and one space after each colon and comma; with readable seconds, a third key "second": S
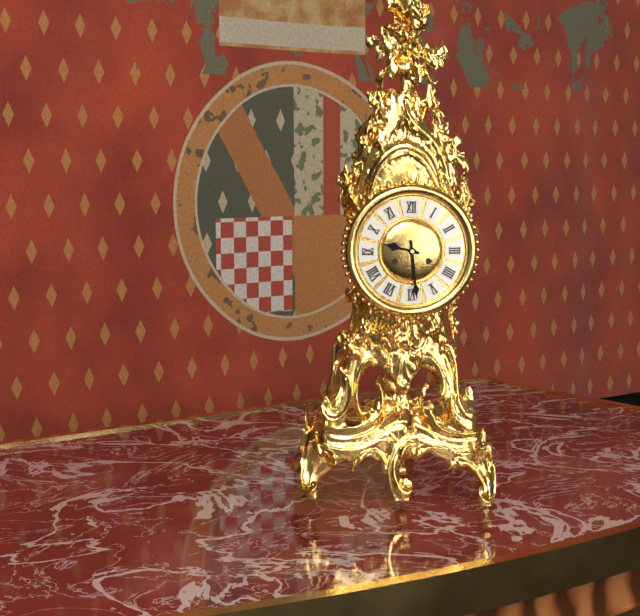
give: {"hour": 9, "minute": 29}
